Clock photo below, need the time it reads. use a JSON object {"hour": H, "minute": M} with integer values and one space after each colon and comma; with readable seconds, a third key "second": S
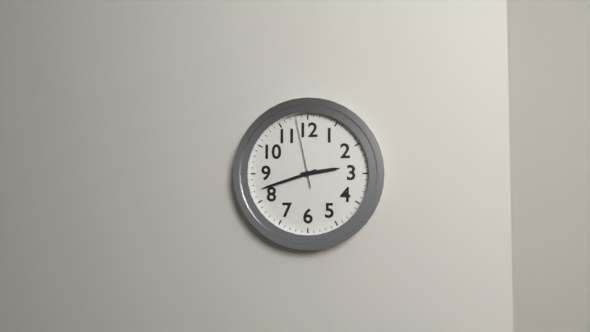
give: {"hour": 2, "minute": 42, "second": 58}
